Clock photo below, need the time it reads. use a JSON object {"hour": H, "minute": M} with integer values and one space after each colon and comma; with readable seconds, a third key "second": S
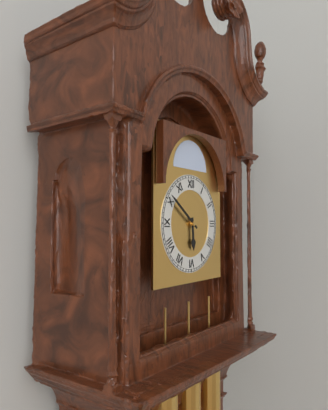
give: {"hour": 5, "minute": 51}
